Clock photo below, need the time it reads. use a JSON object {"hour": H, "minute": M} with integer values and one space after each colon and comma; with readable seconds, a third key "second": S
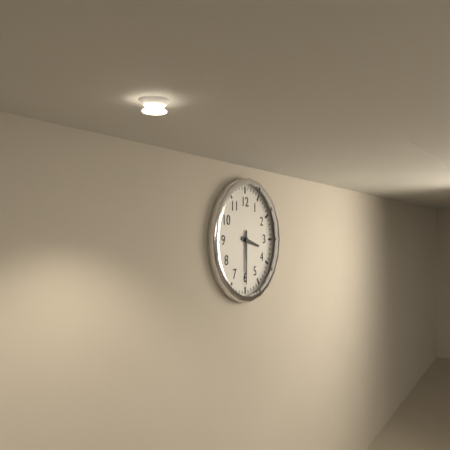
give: {"hour": 3, "minute": 30}
